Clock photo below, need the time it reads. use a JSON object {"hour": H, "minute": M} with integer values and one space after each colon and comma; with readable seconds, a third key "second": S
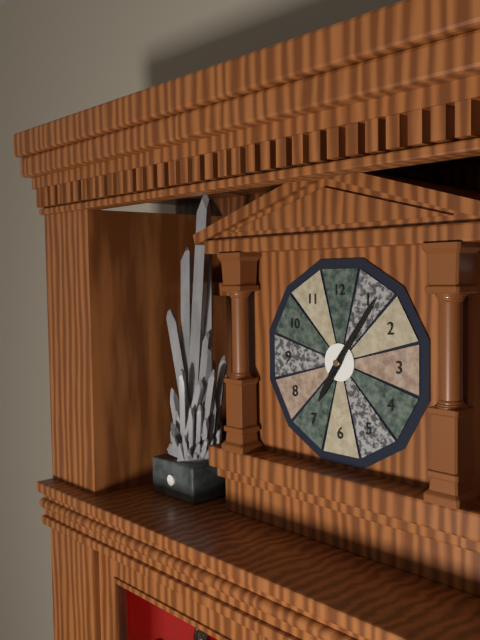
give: {"hour": 7, "minute": 6}
